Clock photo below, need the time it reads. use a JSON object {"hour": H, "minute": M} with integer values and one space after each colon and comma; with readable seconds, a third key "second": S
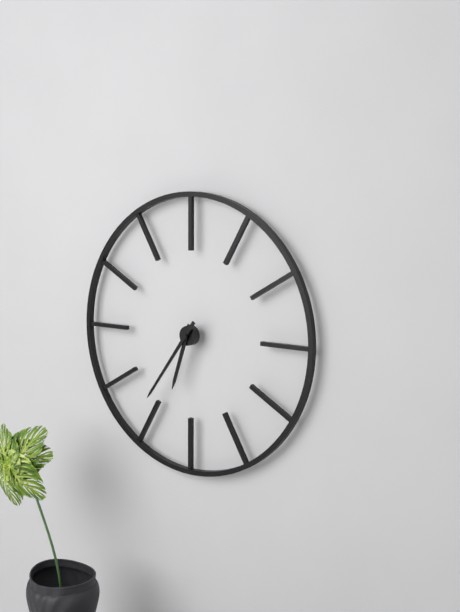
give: {"hour": 6, "minute": 36}
